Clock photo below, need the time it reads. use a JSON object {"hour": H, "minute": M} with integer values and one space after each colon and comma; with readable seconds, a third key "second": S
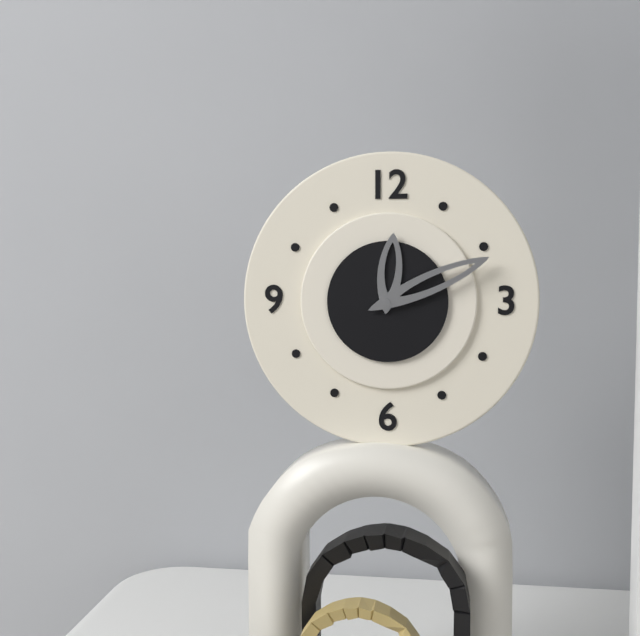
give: {"hour": 12, "minute": 11}
